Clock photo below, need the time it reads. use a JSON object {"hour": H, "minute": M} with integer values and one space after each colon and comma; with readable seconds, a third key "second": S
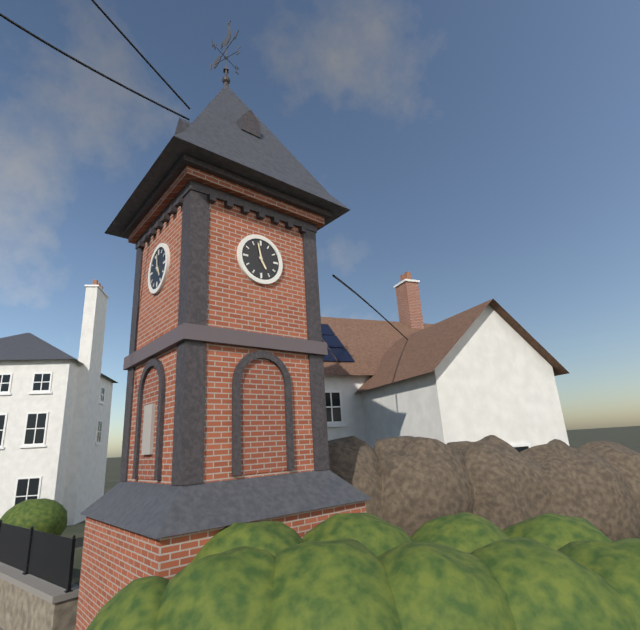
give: {"hour": 4, "minute": 58}
